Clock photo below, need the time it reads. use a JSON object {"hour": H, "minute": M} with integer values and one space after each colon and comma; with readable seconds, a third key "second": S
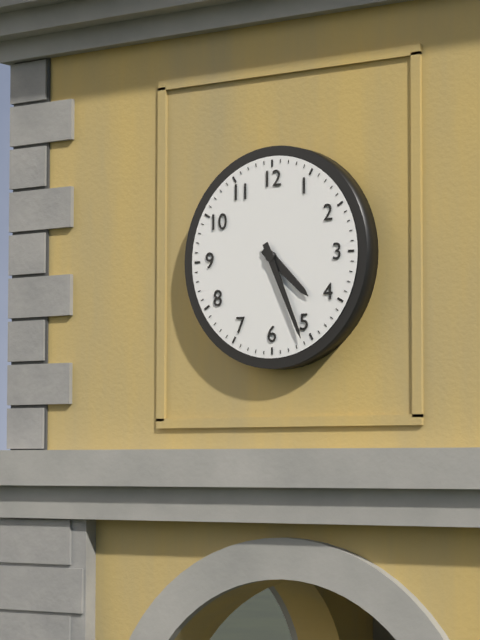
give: {"hour": 4, "minute": 26}
